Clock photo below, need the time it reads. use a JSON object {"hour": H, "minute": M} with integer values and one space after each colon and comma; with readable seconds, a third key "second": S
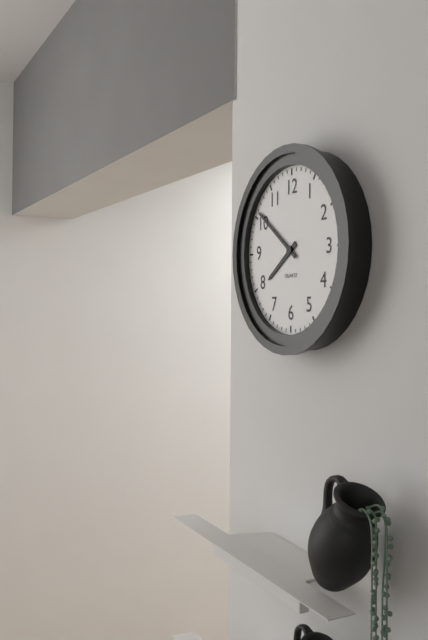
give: {"hour": 7, "minute": 51}
